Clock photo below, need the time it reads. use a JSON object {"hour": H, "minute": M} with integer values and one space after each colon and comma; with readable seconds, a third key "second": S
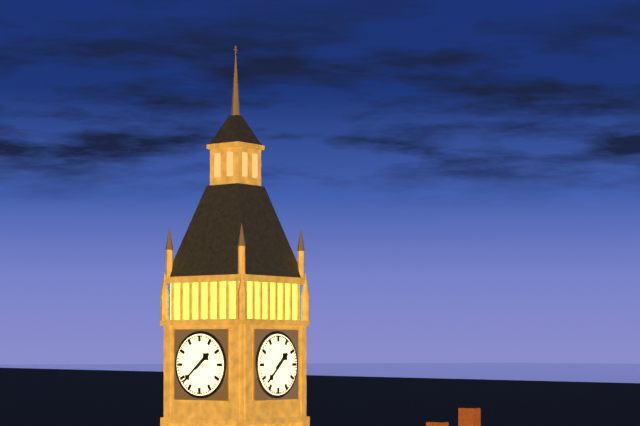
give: {"hour": 1, "minute": 38}
